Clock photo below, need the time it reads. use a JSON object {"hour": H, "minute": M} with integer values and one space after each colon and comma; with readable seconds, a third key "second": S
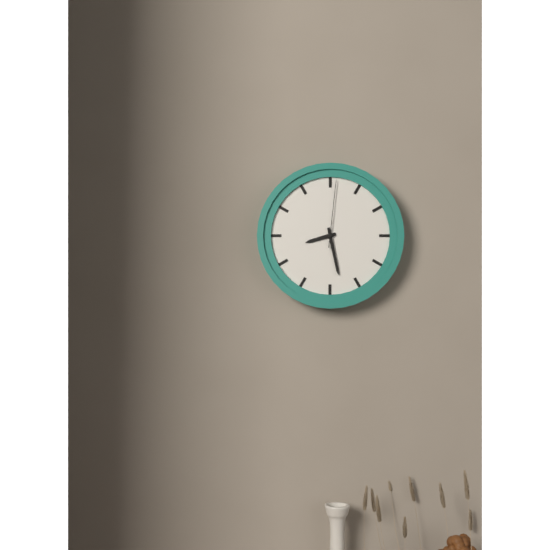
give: {"hour": 8, "minute": 28, "second": 1}
